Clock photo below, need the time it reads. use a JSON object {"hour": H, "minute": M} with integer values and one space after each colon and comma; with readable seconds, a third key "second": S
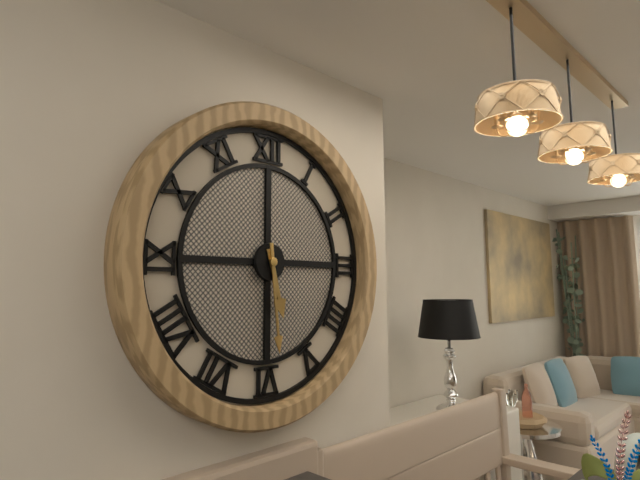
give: {"hour": 5, "minute": 29}
